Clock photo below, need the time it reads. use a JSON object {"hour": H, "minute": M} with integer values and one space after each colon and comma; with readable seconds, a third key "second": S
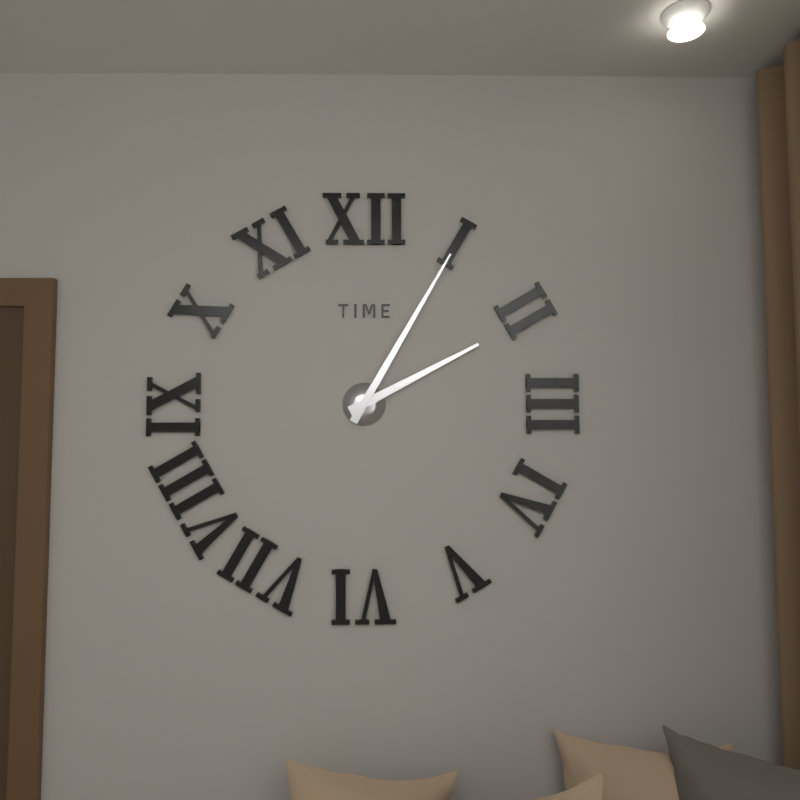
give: {"hour": 2, "minute": 5}
